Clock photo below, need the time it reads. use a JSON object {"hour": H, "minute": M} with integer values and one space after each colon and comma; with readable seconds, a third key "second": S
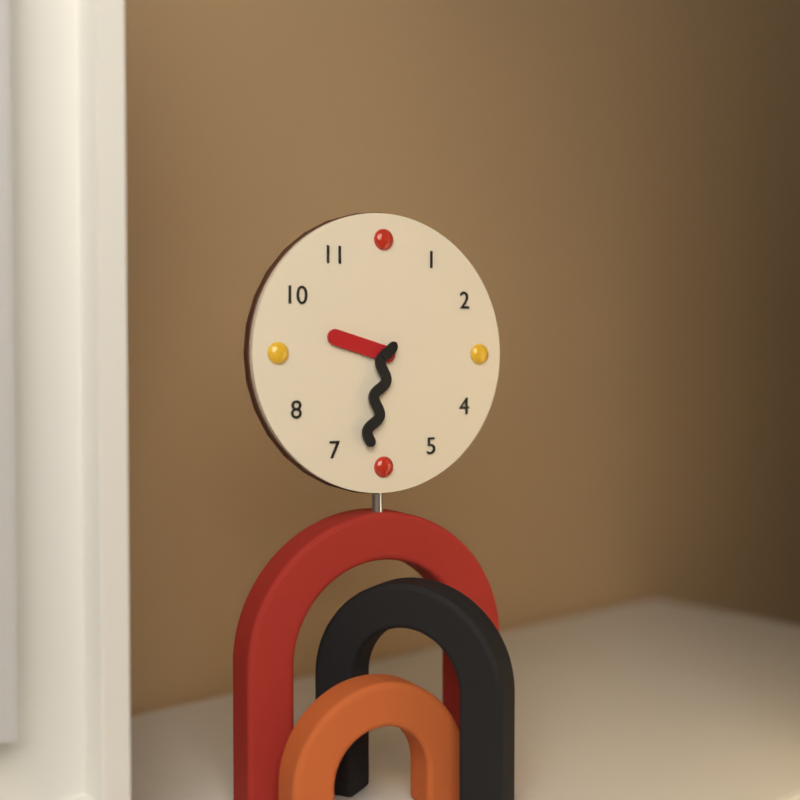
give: {"hour": 9, "minute": 32}
